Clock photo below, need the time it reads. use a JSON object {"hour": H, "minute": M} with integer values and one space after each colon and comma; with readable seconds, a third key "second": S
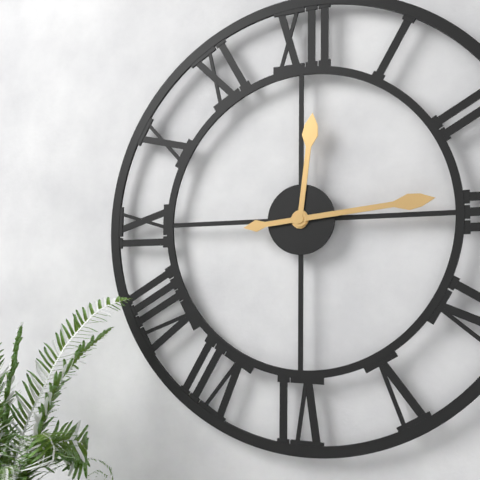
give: {"hour": 12, "minute": 14}
